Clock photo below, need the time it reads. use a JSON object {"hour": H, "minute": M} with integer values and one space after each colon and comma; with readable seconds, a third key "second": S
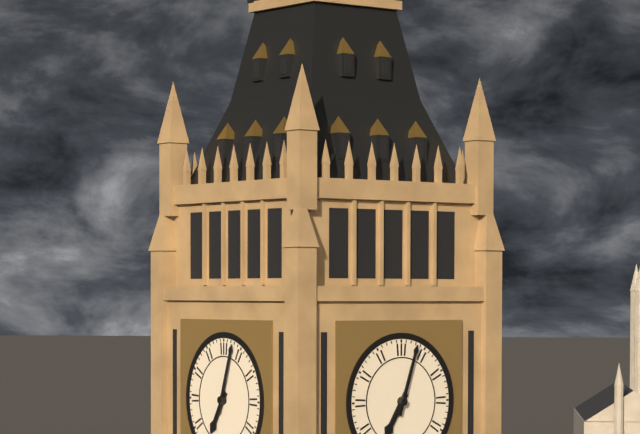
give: {"hour": 7, "minute": 3}
